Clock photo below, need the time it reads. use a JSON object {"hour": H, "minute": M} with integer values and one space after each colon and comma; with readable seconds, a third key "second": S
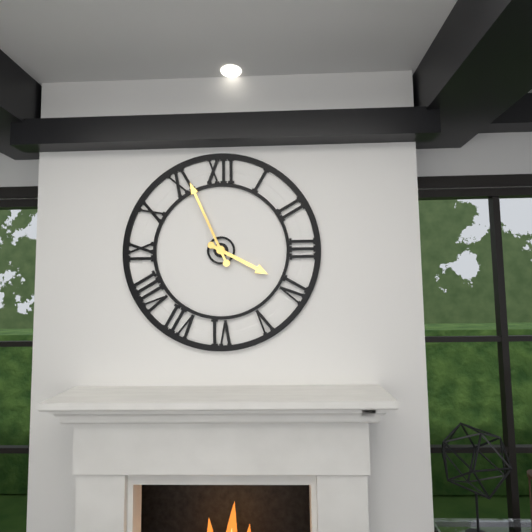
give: {"hour": 3, "minute": 56}
